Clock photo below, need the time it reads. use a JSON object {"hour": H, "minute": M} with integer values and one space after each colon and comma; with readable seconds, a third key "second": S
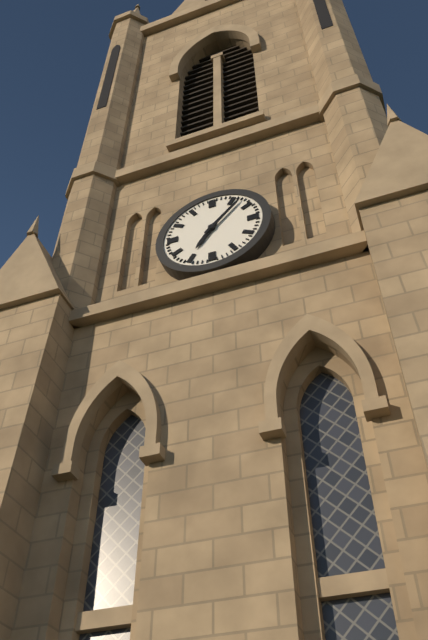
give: {"hour": 7, "minute": 7}
